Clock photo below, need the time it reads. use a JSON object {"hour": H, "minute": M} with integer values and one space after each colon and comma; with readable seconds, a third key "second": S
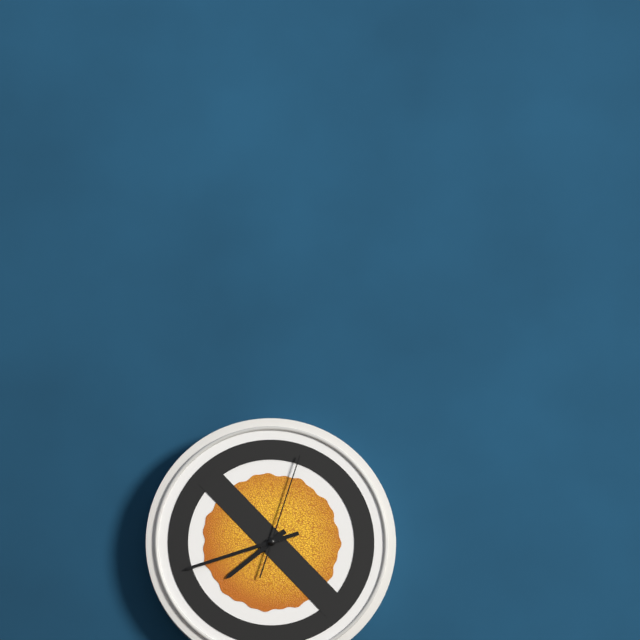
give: {"hour": 7, "minute": 42, "second": 3}
